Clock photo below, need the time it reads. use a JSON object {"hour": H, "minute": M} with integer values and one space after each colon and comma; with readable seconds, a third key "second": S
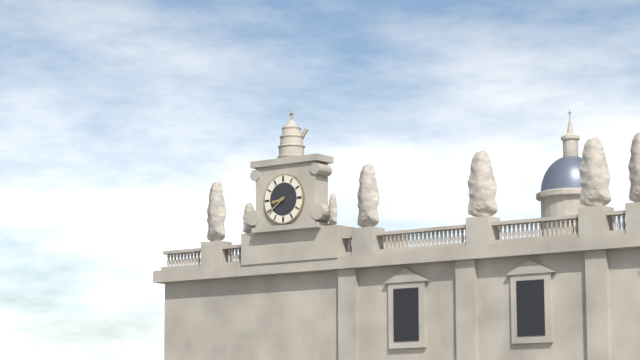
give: {"hour": 8, "minute": 39}
